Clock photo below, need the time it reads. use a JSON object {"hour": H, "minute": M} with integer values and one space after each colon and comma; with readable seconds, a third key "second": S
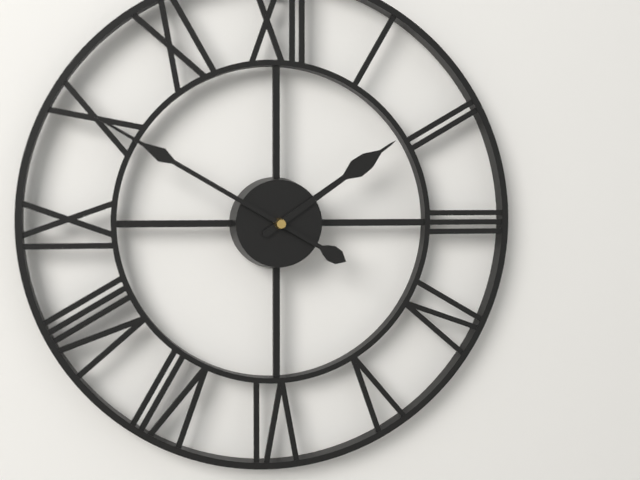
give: {"hour": 1, "minute": 50}
